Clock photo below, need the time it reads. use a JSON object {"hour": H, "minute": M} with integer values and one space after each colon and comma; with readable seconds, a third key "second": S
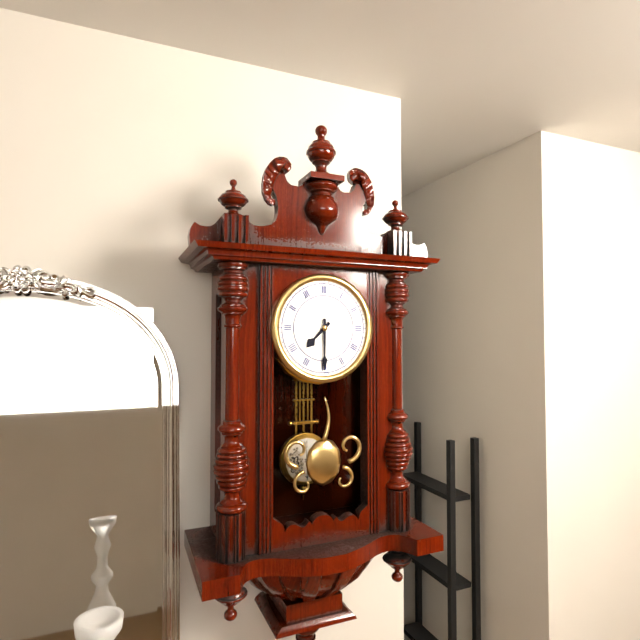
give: {"hour": 7, "minute": 30}
